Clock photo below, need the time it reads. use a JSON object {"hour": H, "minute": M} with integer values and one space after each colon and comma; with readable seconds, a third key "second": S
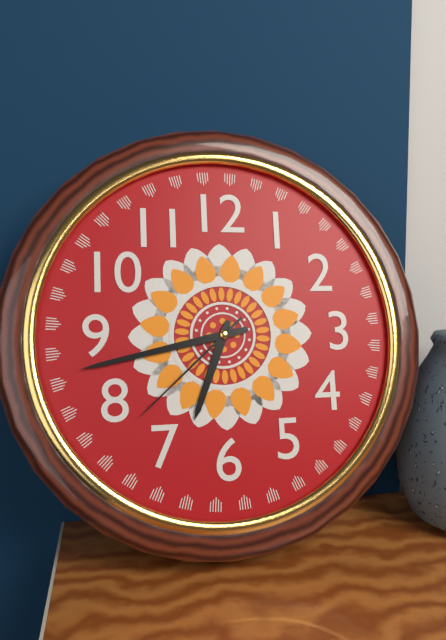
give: {"hour": 6, "minute": 43, "second": 38}
